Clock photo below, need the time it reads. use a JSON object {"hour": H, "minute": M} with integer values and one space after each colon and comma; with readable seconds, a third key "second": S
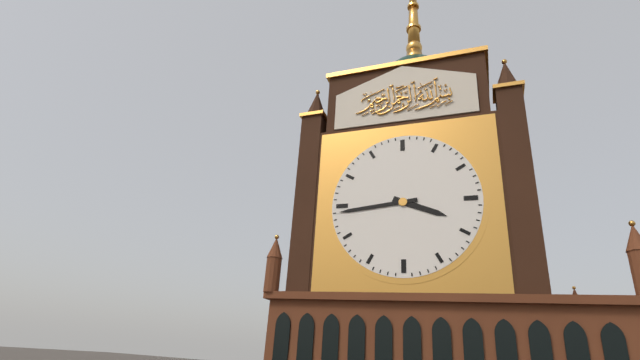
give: {"hour": 3, "minute": 44}
